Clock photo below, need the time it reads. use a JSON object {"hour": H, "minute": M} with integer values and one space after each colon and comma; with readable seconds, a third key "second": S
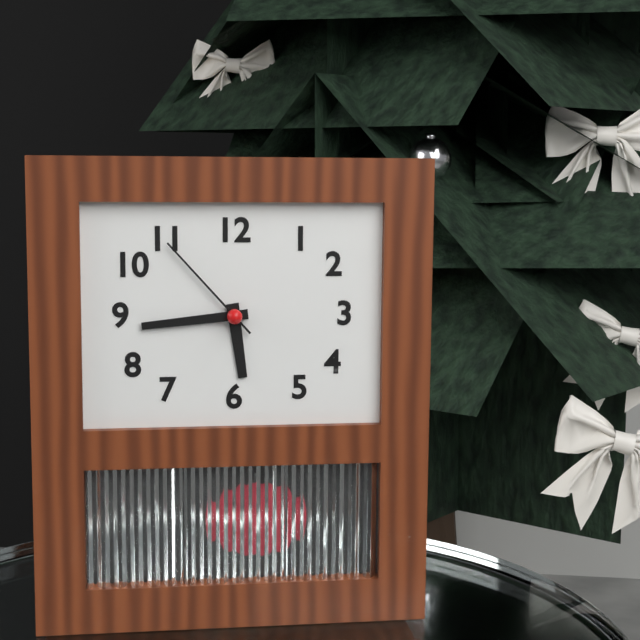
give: {"hour": 5, "minute": 44, "second": 53}
